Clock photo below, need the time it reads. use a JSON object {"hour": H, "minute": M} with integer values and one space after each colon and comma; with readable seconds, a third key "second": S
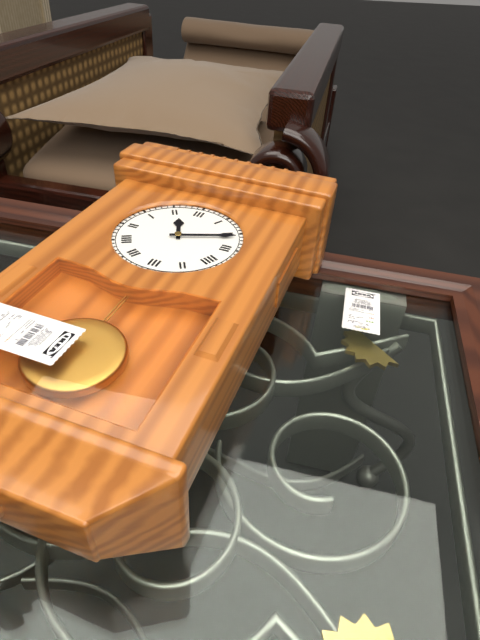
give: {"hour": 11, "minute": 11}
